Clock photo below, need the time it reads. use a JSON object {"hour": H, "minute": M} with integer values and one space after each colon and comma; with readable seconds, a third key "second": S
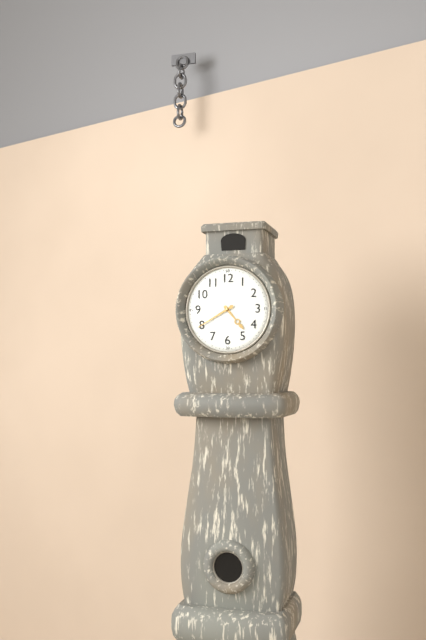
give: {"hour": 4, "minute": 40}
